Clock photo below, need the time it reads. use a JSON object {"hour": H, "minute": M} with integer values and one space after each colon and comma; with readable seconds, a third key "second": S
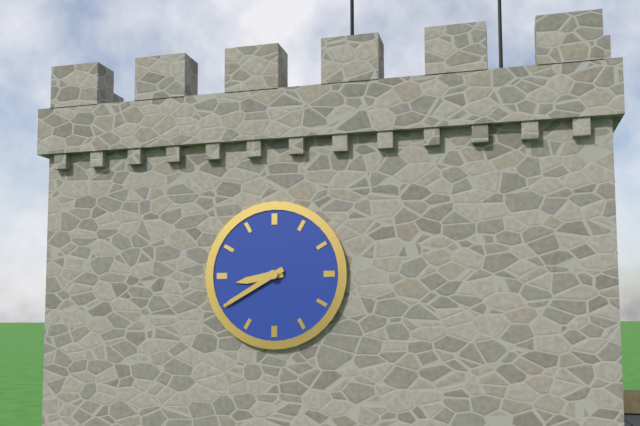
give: {"hour": 8, "minute": 40}
